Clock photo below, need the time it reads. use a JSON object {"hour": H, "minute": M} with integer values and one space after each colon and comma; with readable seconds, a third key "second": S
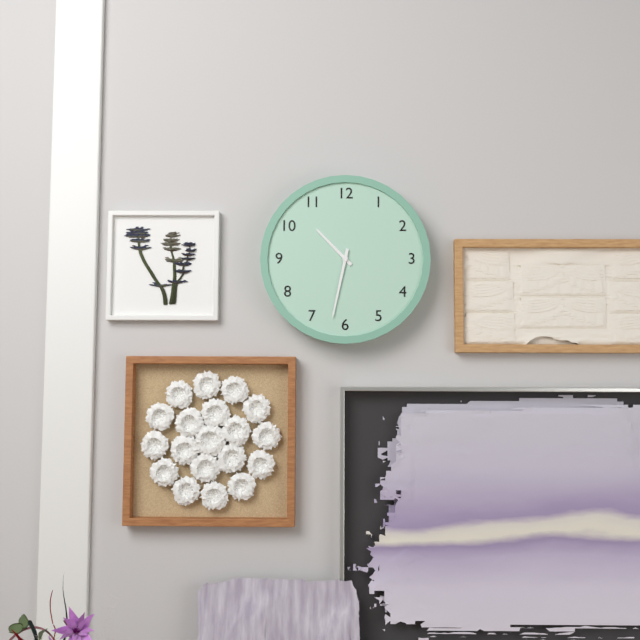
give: {"hour": 10, "minute": 32}
